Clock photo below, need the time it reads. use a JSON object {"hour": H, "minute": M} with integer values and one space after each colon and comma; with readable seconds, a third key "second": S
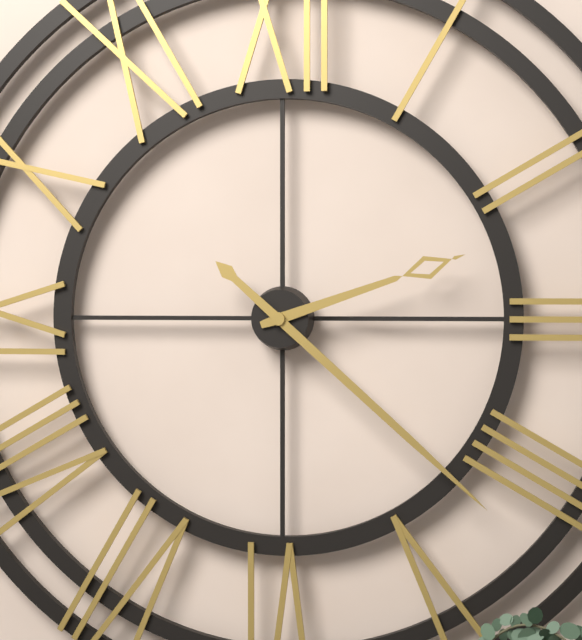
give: {"hour": 2, "minute": 22}
